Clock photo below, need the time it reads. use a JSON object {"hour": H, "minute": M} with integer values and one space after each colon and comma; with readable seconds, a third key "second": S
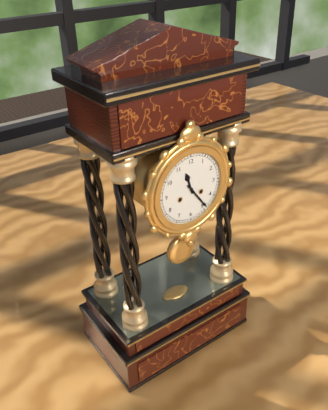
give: {"hour": 11, "minute": 24}
